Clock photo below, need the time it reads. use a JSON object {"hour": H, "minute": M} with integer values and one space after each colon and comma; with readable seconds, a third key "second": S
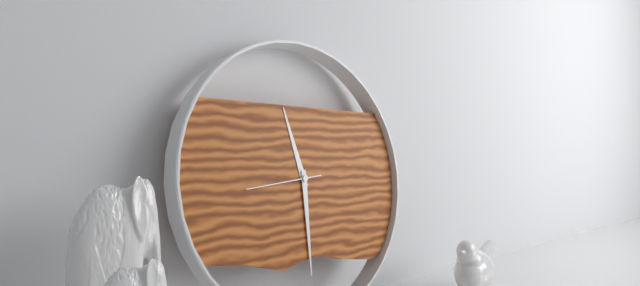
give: {"hour": 11, "minute": 30, "second": 44}
